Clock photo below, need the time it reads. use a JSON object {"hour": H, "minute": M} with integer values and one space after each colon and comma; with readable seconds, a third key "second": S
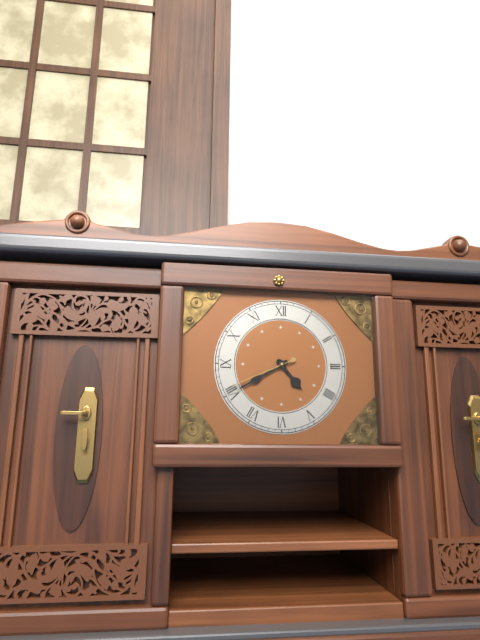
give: {"hour": 4, "minute": 40, "second": 41}
